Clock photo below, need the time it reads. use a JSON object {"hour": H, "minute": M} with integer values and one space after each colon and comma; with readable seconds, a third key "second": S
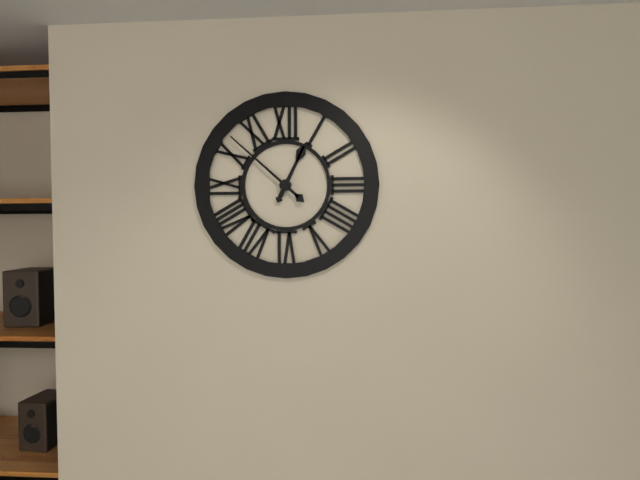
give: {"hour": 12, "minute": 52}
